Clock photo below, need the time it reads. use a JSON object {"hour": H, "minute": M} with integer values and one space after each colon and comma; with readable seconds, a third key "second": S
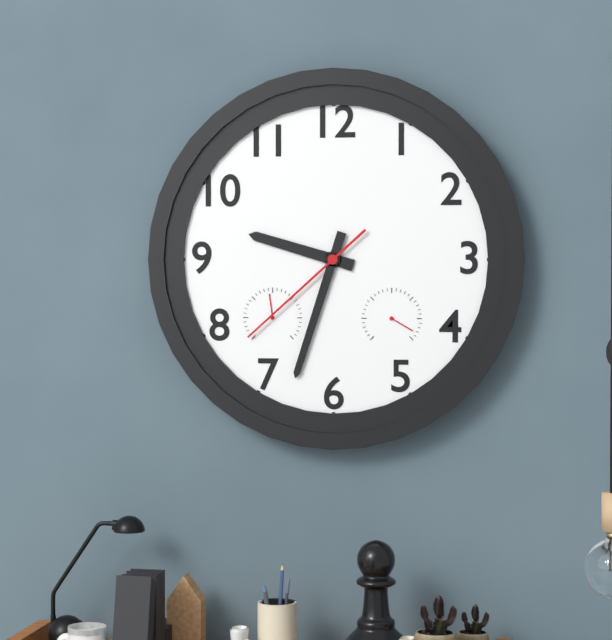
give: {"hour": 9, "minute": 33, "second": 38}
